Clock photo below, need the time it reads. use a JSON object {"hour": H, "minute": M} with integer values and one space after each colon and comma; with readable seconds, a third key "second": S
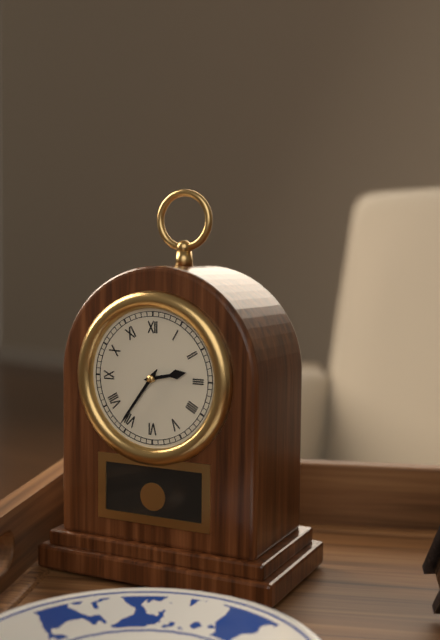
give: {"hour": 2, "minute": 36}
